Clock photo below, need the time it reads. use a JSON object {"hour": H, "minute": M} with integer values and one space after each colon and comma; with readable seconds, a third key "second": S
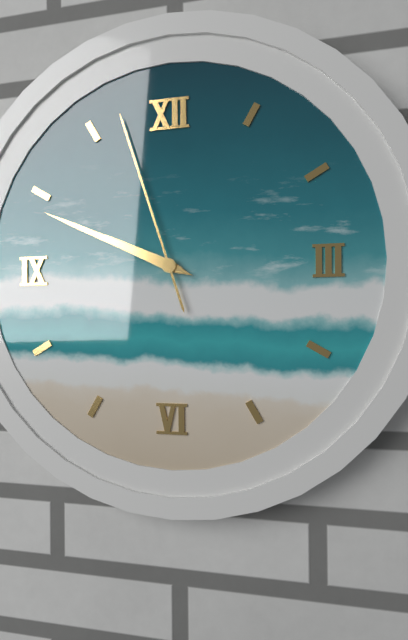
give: {"hour": 9, "minute": 49, "second": 57}
